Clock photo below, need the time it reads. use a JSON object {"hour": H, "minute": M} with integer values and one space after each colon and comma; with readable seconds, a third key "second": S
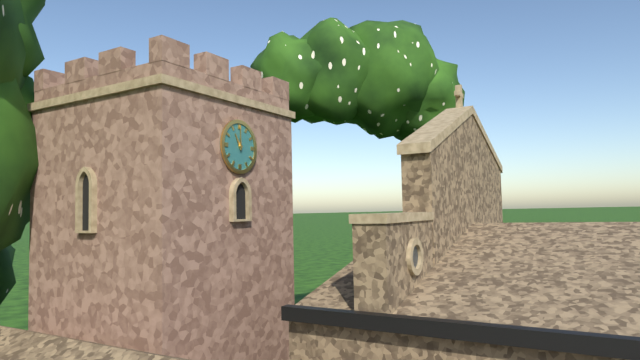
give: {"hour": 11, "minute": 0}
